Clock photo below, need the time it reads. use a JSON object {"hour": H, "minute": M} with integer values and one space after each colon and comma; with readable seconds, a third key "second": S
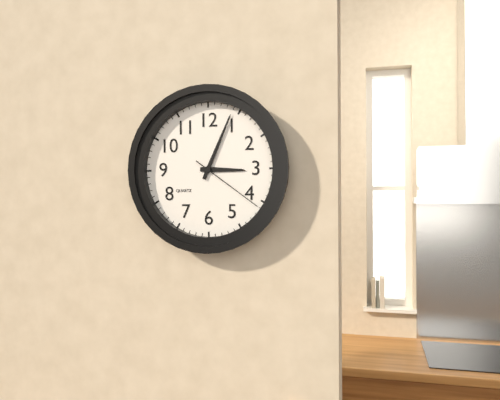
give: {"hour": 3, "minute": 4, "second": 21}
